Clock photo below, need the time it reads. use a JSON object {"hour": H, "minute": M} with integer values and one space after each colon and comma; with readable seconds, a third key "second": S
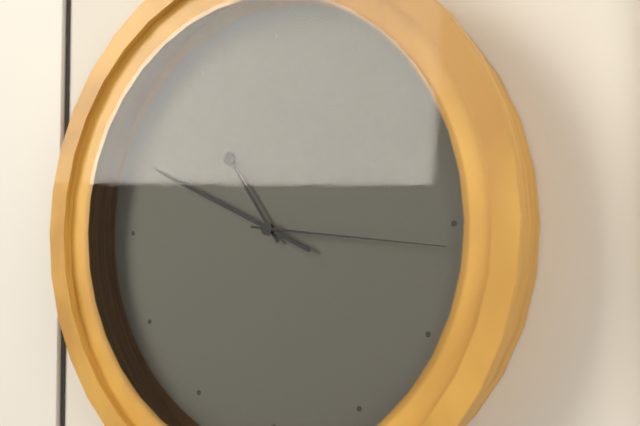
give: {"hour": 10, "minute": 49, "second": 16}
